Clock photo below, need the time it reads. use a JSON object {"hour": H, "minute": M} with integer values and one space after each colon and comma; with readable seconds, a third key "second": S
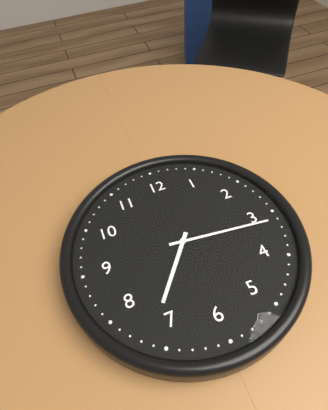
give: {"hour": 7, "minute": 16}
